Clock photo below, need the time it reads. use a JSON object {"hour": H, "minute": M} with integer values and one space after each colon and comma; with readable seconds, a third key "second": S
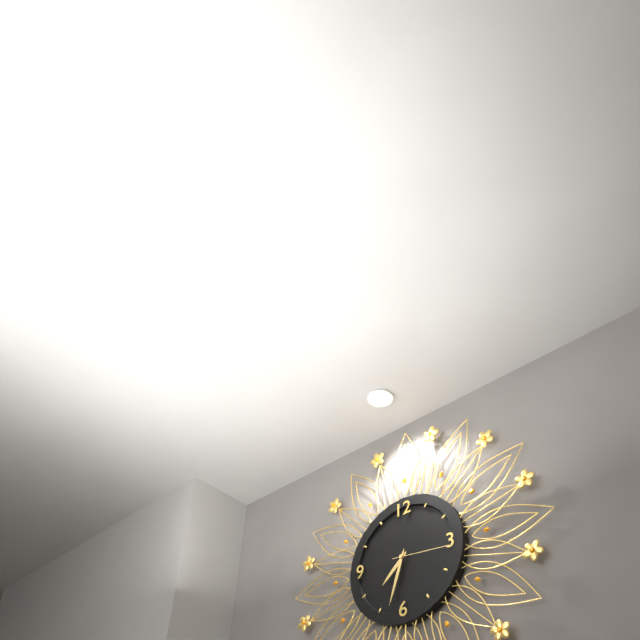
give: {"hour": 7, "minute": 33, "second": 16}
